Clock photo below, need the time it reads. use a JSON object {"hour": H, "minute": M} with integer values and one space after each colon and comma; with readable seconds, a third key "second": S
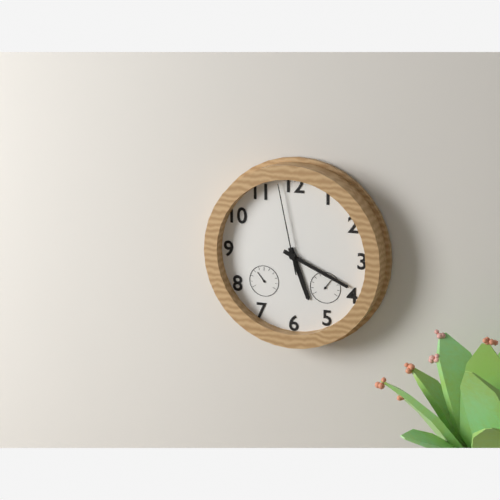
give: {"hour": 5, "minute": 19, "second": 58}
